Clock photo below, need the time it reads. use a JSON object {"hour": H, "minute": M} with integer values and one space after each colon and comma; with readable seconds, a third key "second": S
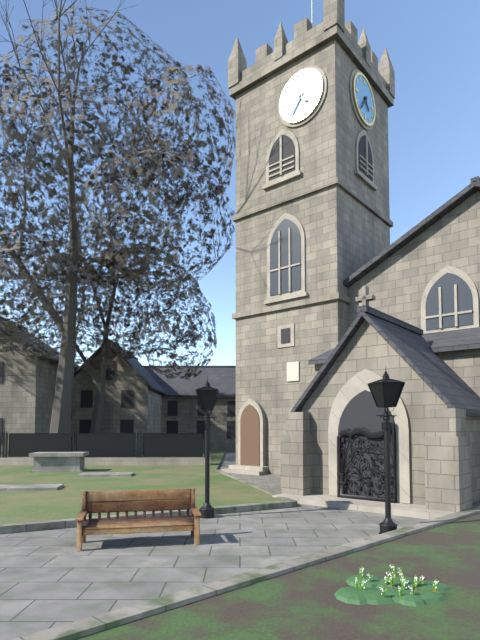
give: {"hour": 4, "minute": 36}
